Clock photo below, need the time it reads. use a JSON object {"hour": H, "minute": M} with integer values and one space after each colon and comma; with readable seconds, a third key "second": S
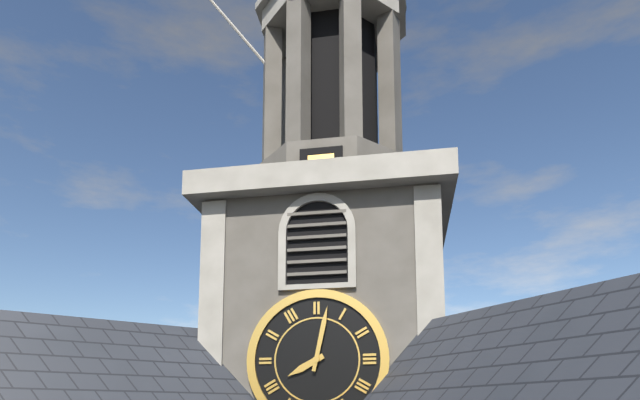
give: {"hour": 8, "minute": 2}
